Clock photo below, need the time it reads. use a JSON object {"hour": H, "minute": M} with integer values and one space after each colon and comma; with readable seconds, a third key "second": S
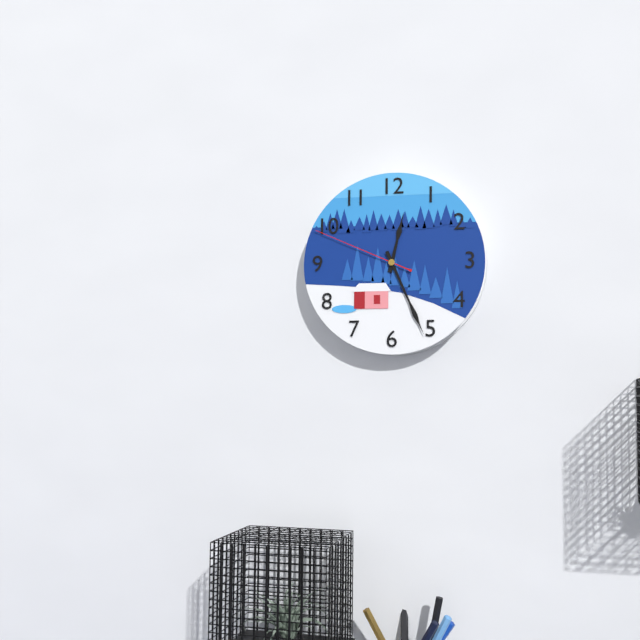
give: {"hour": 12, "minute": 26, "second": 49}
